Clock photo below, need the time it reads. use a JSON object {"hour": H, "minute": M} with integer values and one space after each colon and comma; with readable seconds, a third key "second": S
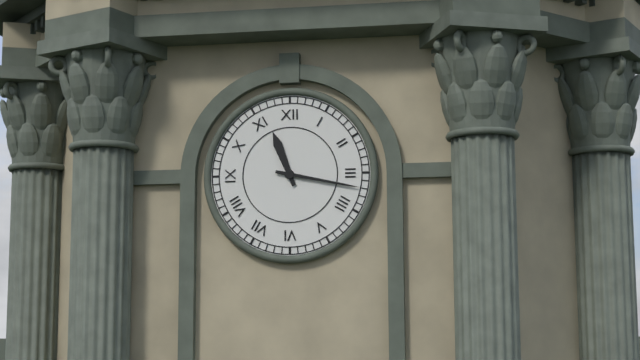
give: {"hour": 11, "minute": 17}
